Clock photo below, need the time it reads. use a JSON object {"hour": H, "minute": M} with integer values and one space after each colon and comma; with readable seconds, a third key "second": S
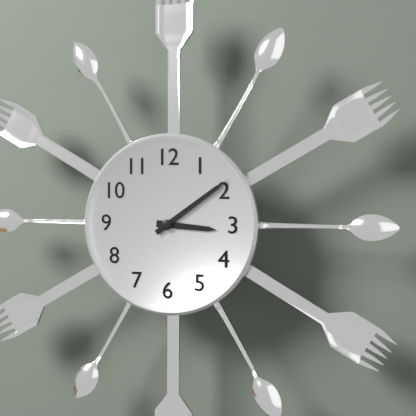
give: {"hour": 3, "minute": 9}
